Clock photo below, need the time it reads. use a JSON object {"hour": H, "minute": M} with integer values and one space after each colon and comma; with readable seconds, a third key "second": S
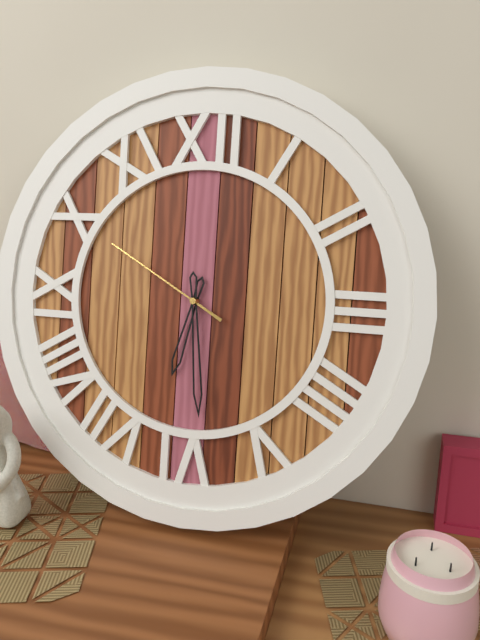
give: {"hour": 6, "minute": 29, "second": 50}
